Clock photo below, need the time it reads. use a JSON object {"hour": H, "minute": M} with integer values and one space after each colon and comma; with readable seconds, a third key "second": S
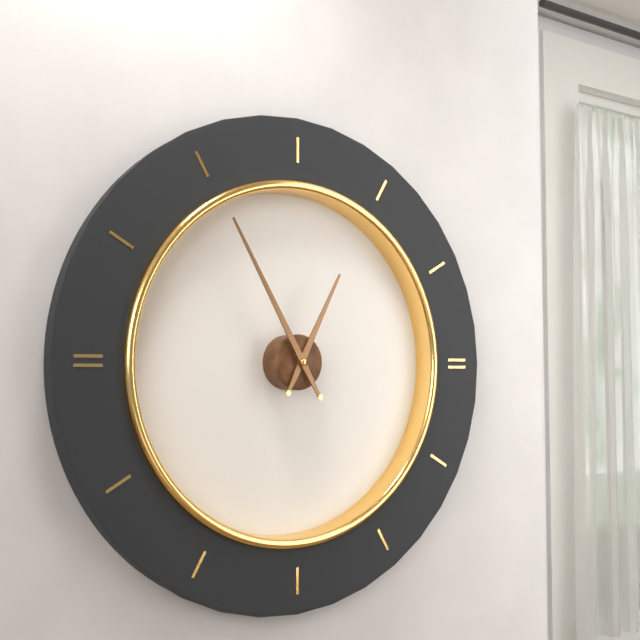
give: {"hour": 12, "minute": 55}
